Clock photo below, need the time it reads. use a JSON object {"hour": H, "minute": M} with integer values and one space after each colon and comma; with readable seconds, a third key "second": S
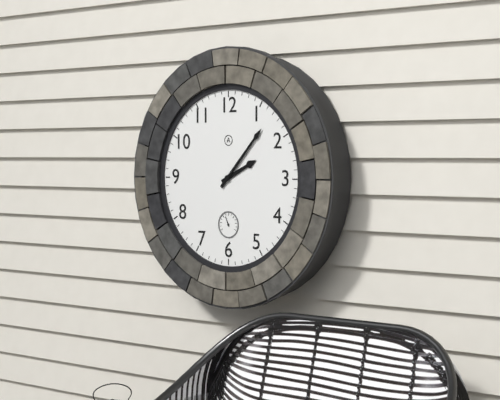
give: {"hour": 2, "minute": 7}
